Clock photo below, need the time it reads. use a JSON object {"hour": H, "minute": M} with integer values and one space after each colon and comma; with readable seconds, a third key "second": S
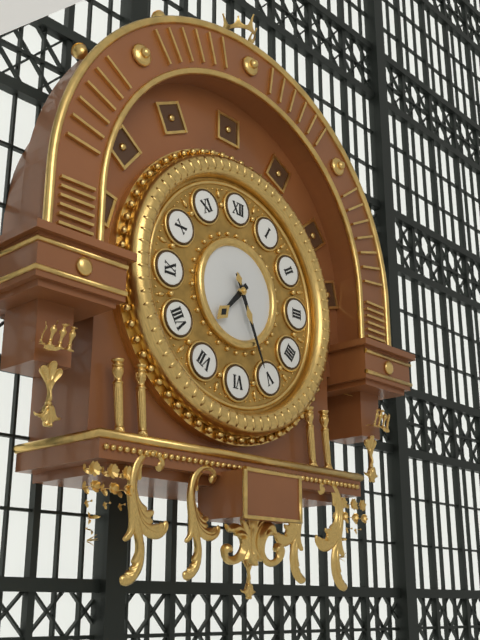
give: {"hour": 7, "minute": 26}
